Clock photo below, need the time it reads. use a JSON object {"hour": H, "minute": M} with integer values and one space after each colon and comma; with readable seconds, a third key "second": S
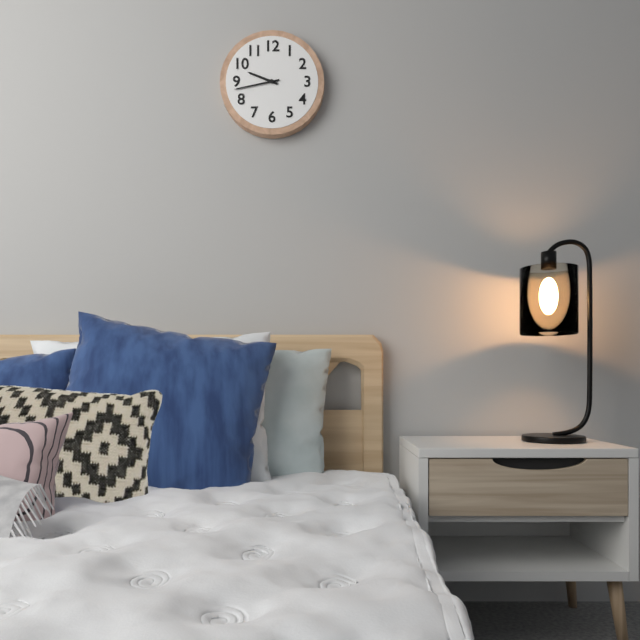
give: {"hour": 9, "minute": 43}
